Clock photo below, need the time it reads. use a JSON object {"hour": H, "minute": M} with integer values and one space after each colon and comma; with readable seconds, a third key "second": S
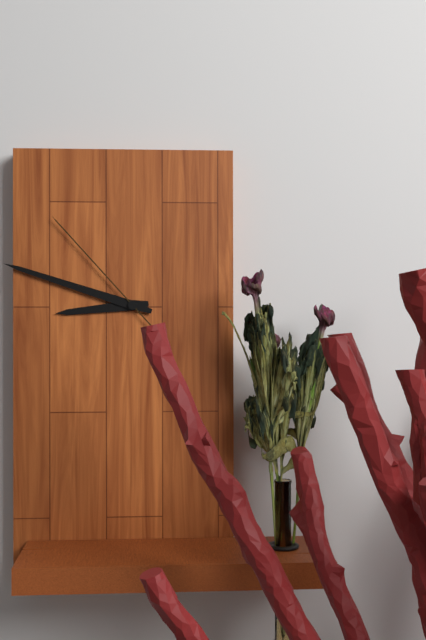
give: {"hour": 8, "minute": 48, "second": 53}
